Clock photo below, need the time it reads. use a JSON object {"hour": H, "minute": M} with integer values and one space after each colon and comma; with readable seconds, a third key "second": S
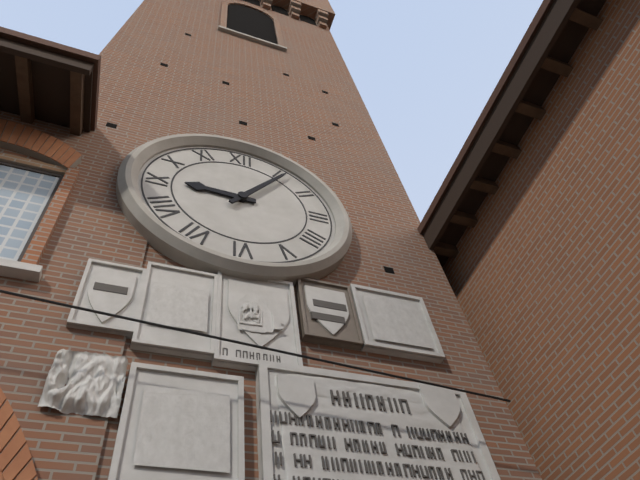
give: {"hour": 9, "minute": 6}
